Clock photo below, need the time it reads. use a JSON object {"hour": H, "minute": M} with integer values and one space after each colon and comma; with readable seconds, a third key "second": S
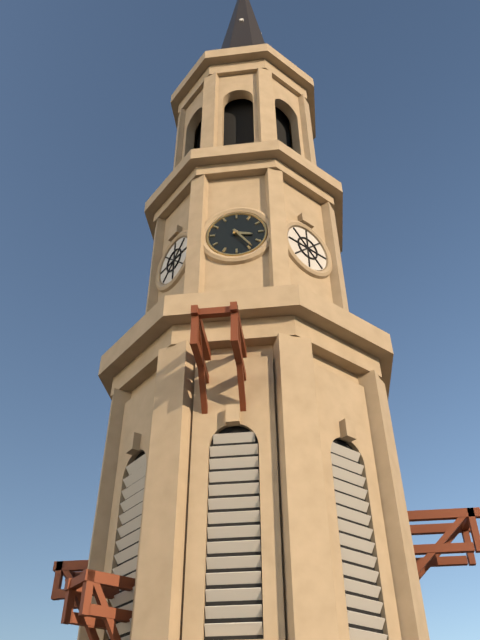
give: {"hour": 3, "minute": 24}
